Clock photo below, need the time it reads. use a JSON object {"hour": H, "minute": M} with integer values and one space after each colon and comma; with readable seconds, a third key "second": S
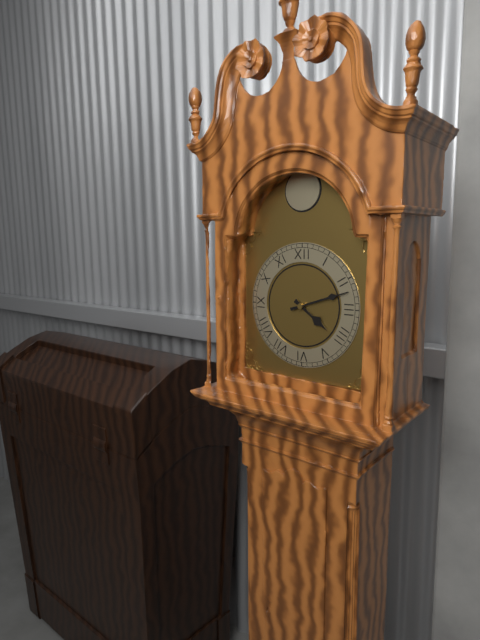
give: {"hour": 4, "minute": 12}
